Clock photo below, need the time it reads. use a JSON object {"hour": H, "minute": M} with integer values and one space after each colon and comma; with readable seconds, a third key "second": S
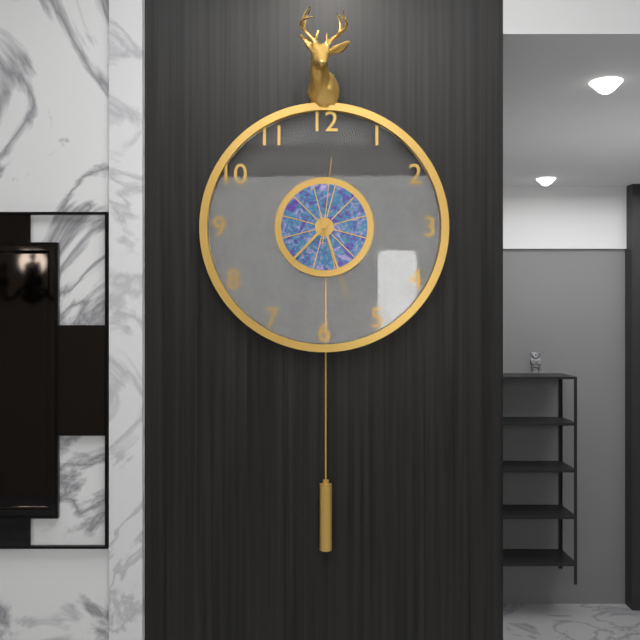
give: {"hour": 7, "minute": 27, "second": 1}
